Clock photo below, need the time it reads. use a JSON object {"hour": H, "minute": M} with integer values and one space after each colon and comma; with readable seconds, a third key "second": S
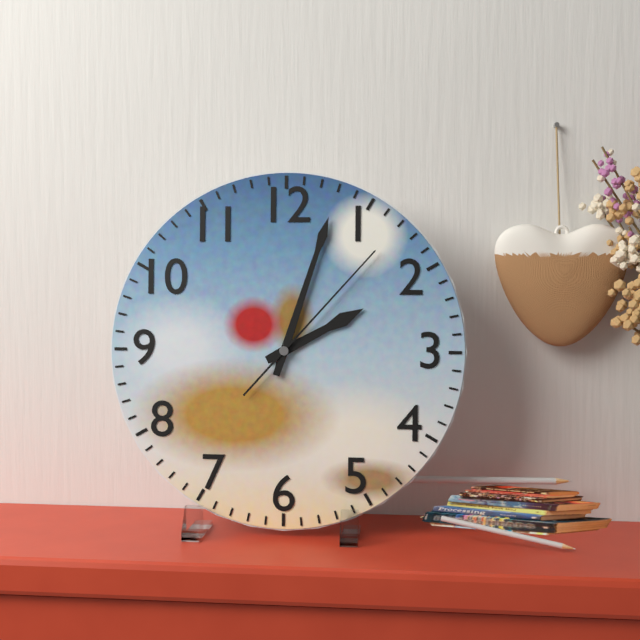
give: {"hour": 2, "minute": 3, "second": 7}
